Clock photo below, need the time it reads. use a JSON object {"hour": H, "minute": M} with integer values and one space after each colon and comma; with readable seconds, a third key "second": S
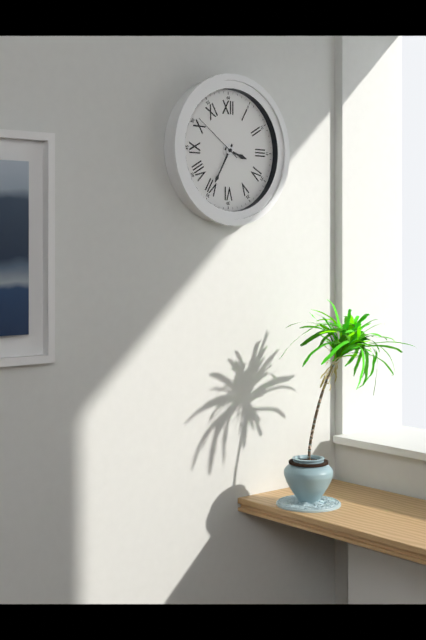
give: {"hour": 3, "minute": 35, "second": 51}
